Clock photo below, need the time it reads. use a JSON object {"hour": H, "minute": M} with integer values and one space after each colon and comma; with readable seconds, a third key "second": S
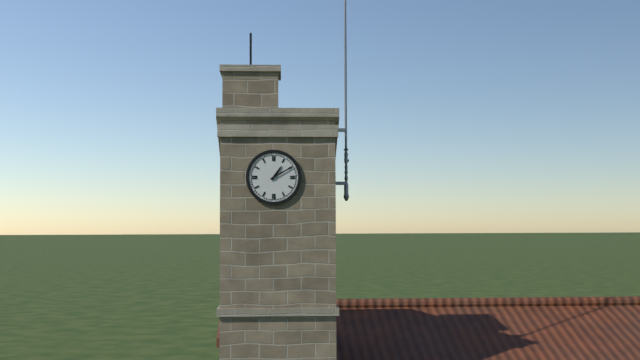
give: {"hour": 1, "minute": 10}
